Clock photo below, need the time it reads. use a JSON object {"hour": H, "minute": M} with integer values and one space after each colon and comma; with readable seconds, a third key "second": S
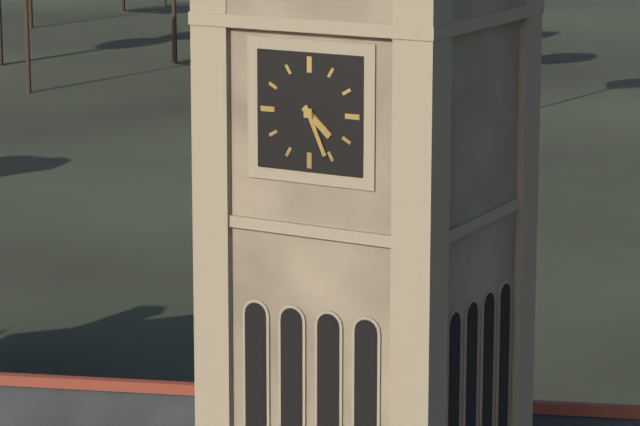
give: {"hour": 4, "minute": 26}
